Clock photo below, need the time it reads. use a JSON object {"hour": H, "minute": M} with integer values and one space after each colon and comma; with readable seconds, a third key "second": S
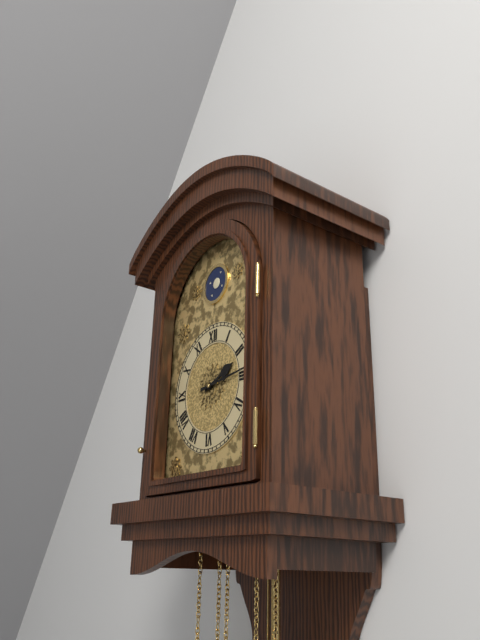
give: {"hour": 2, "minute": 14}
